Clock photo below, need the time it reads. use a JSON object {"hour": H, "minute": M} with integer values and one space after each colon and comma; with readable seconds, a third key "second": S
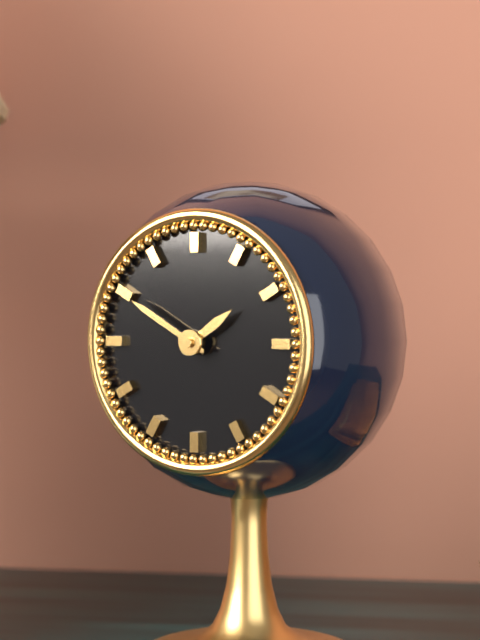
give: {"hour": 1, "minute": 50}
